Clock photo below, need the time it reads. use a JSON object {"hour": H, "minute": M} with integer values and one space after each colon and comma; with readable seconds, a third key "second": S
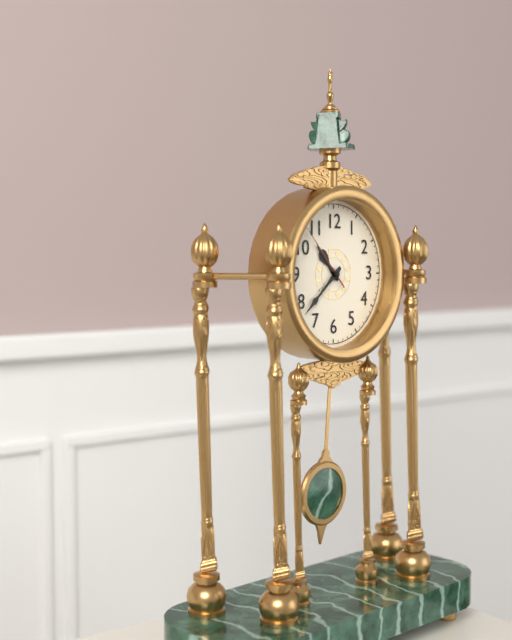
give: {"hour": 10, "minute": 38, "second": 53}
